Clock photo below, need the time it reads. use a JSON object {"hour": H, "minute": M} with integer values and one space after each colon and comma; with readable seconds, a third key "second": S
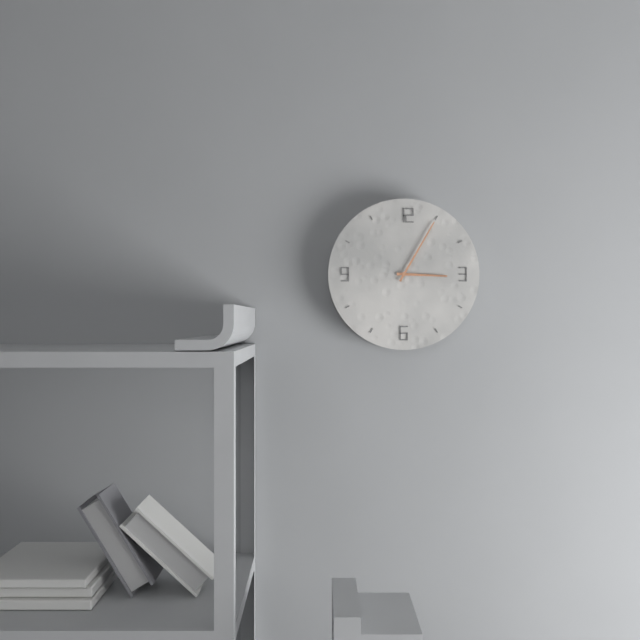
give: {"hour": 3, "minute": 5}
